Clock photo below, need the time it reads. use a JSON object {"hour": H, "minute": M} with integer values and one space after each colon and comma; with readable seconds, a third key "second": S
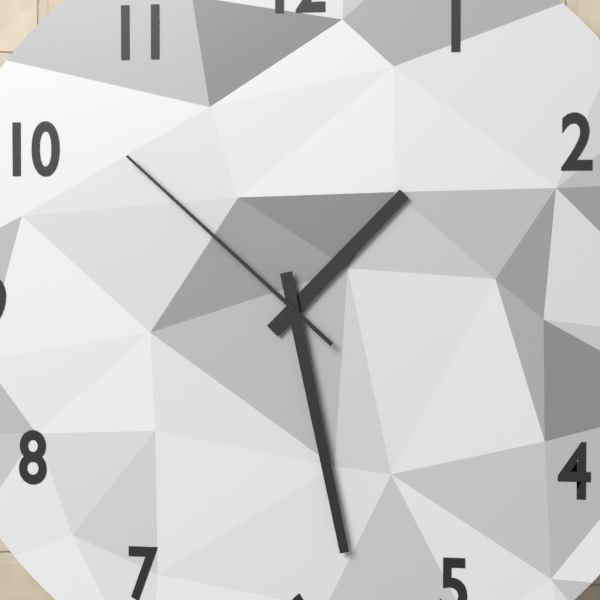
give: {"hour": 1, "minute": 28, "second": 52}
